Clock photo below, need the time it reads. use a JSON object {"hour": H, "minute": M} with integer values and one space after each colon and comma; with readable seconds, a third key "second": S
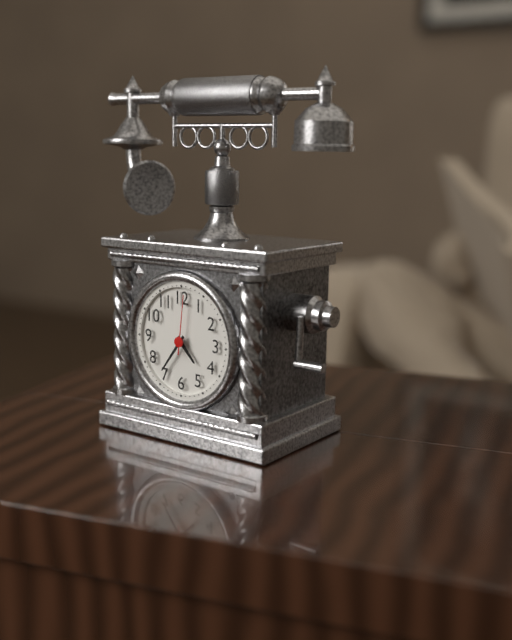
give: {"hour": 4, "minute": 36, "second": 1}
